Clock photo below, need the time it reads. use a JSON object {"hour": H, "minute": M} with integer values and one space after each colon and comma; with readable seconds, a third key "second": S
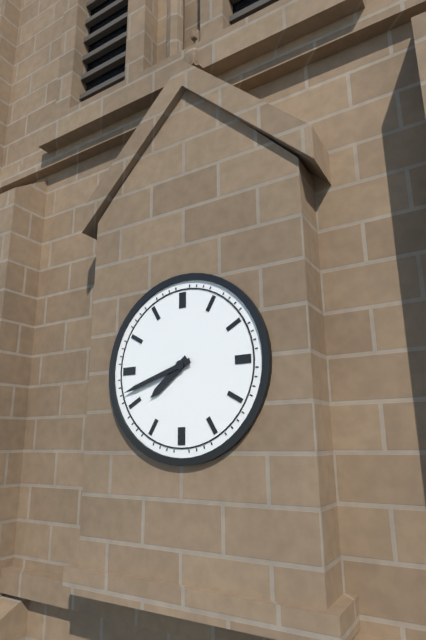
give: {"hour": 7, "minute": 42}
